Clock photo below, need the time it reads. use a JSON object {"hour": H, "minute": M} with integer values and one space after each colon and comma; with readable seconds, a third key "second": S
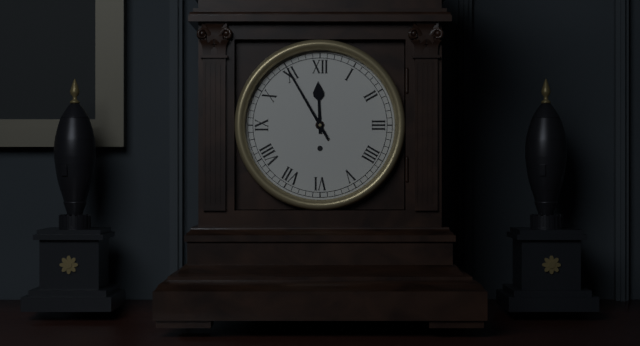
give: {"hour": 11, "minute": 55}
